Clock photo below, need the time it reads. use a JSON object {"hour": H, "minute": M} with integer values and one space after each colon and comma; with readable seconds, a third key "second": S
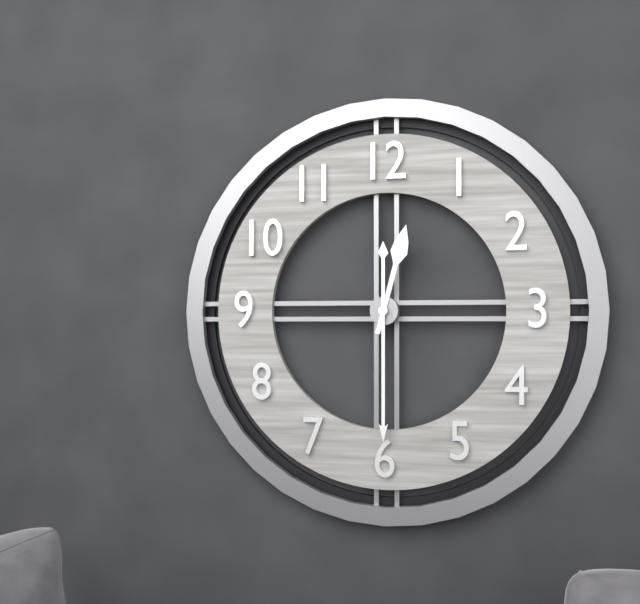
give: {"hour": 12, "minute": 30}
